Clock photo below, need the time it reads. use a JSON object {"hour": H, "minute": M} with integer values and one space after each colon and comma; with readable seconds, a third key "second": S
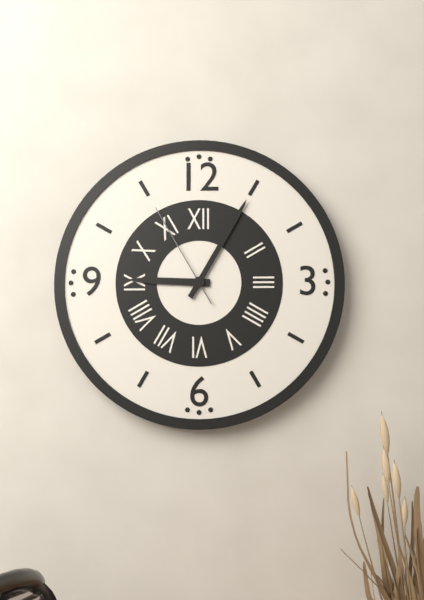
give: {"hour": 9, "minute": 5, "second": 55}
